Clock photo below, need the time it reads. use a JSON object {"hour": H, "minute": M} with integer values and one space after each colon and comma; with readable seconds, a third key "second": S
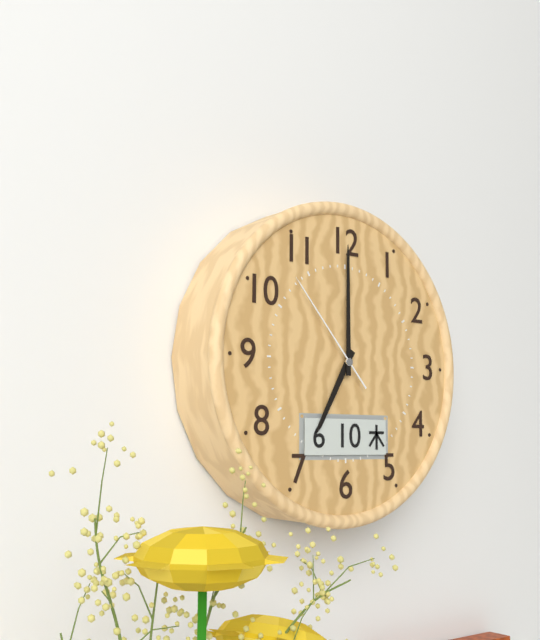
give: {"hour": 7, "minute": 0, "second": 53}
